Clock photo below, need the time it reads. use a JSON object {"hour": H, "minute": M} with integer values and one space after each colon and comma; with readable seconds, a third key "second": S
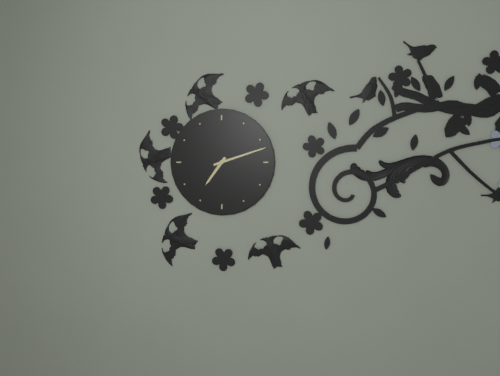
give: {"hour": 7, "minute": 12}
